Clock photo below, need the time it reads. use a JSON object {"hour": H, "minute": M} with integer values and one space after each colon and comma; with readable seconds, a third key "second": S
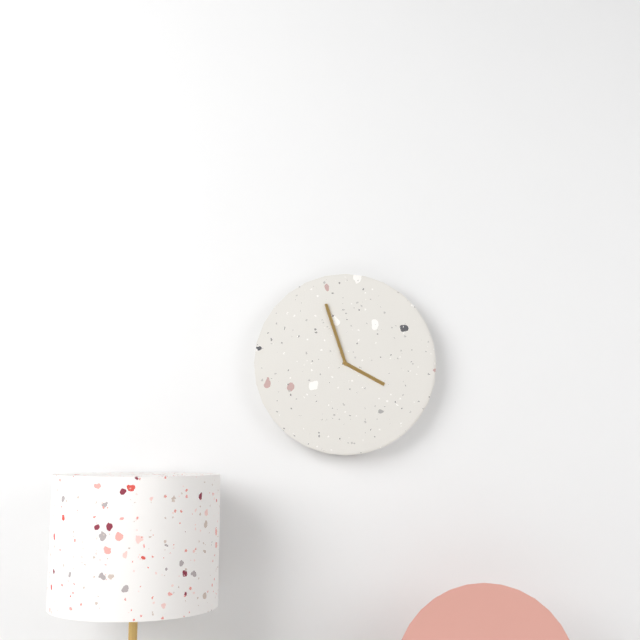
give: {"hour": 3, "minute": 57}
